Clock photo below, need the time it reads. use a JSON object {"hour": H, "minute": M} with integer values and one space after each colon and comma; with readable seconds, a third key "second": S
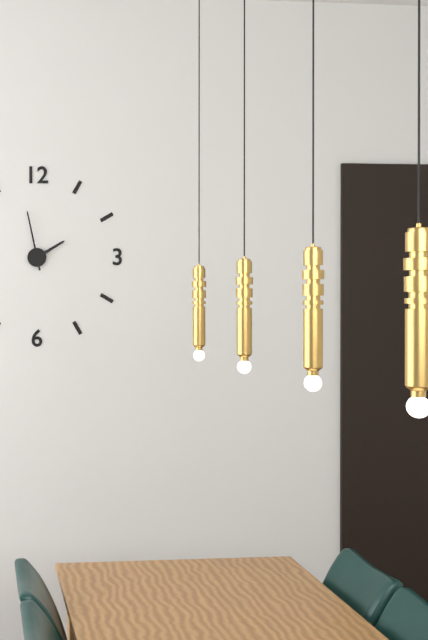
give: {"hour": 1, "minute": 58}
